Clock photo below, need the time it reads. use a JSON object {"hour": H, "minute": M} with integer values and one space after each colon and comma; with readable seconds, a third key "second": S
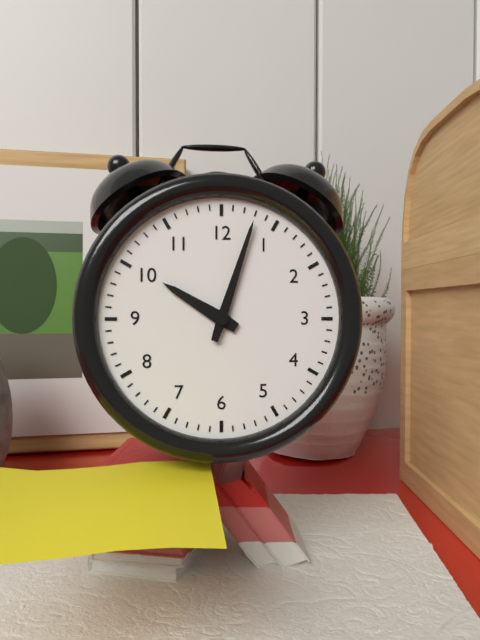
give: {"hour": 10, "minute": 3}
